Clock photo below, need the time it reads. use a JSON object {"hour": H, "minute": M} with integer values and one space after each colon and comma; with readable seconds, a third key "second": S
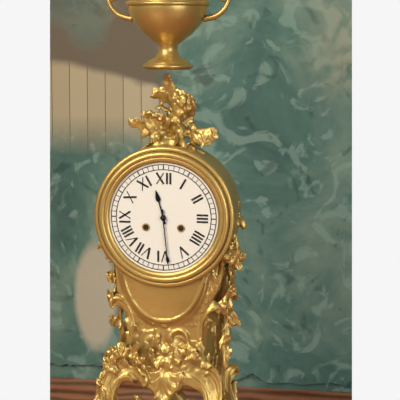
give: {"hour": 11, "minute": 29}
